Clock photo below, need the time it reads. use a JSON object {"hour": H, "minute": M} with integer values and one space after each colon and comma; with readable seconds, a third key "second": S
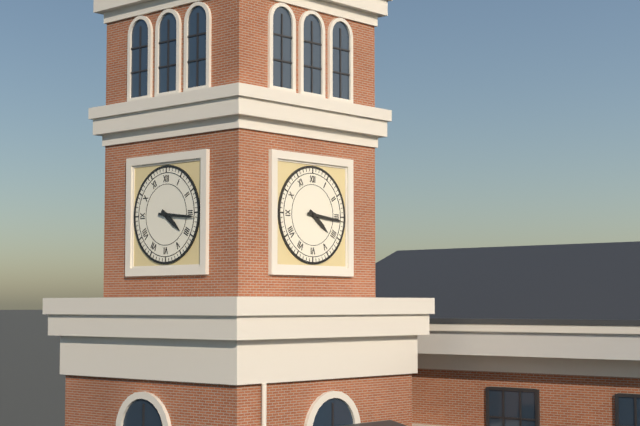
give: {"hour": 4, "minute": 16}
